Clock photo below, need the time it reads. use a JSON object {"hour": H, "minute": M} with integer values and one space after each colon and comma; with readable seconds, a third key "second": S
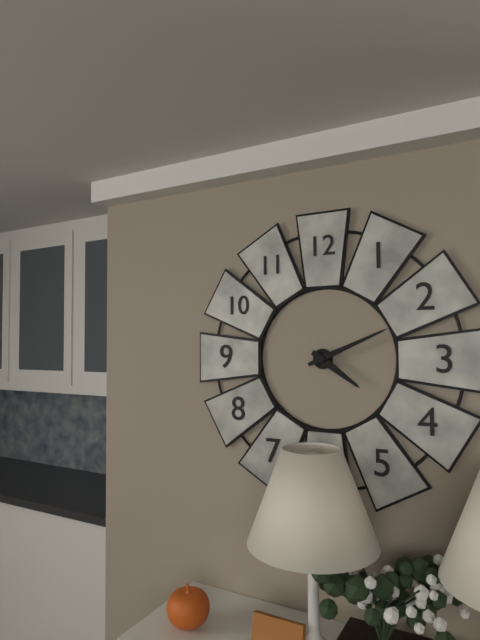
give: {"hour": 4, "minute": 11}
